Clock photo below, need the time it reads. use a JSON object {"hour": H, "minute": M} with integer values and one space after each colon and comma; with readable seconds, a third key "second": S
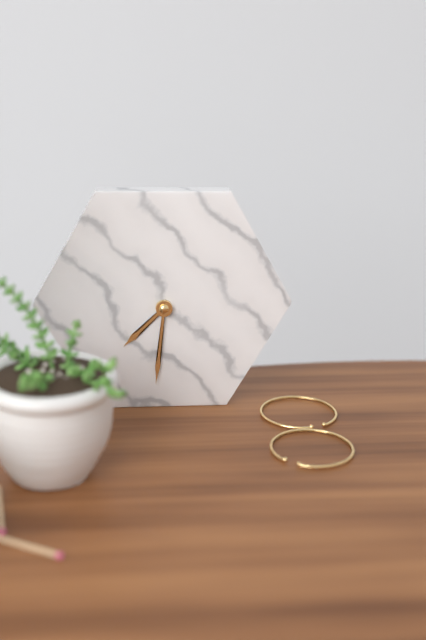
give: {"hour": 7, "minute": 31}
